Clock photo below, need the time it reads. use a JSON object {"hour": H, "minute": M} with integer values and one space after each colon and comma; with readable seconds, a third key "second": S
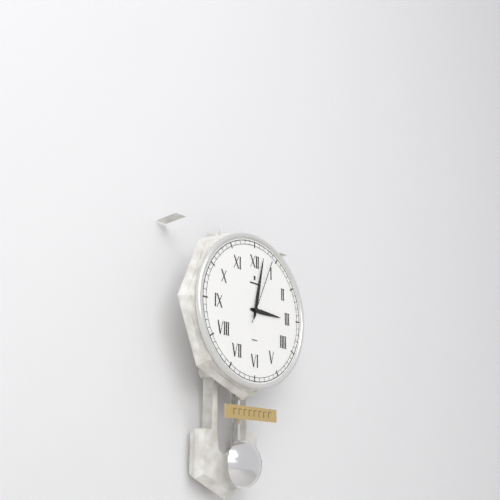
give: {"hour": 3, "minute": 2, "second": 4}
